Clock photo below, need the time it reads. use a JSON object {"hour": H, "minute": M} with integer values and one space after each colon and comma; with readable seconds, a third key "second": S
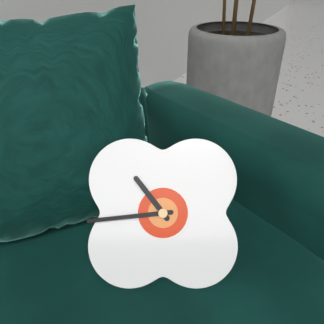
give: {"hour": 10, "minute": 44}
